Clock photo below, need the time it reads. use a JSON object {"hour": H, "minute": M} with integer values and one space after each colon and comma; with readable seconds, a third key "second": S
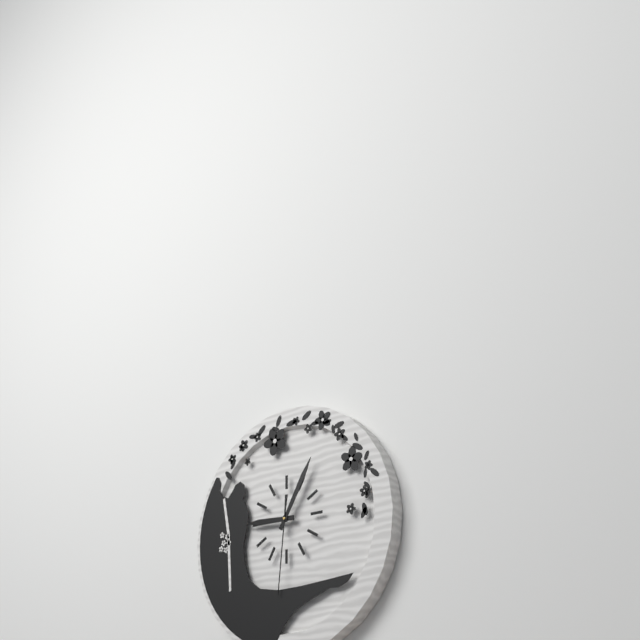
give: {"hour": 9, "minute": 5, "second": 31}
